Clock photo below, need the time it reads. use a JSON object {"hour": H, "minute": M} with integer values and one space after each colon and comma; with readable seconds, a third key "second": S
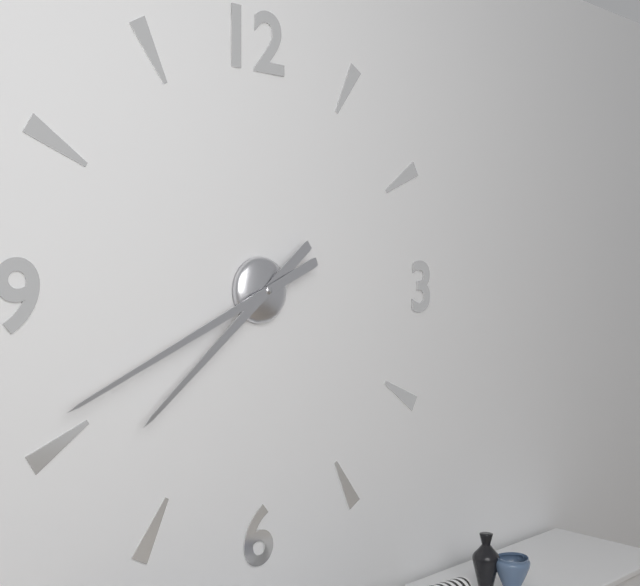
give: {"hour": 7, "minute": 41}
